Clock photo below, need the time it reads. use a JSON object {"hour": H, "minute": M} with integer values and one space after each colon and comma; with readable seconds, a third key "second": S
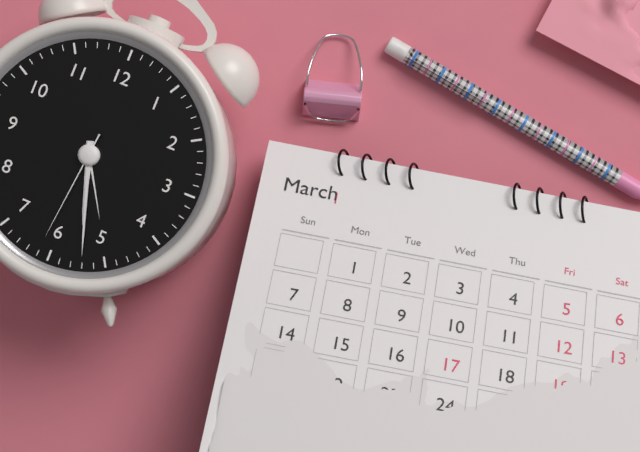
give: {"hour": 5, "minute": 27, "second": 31}
